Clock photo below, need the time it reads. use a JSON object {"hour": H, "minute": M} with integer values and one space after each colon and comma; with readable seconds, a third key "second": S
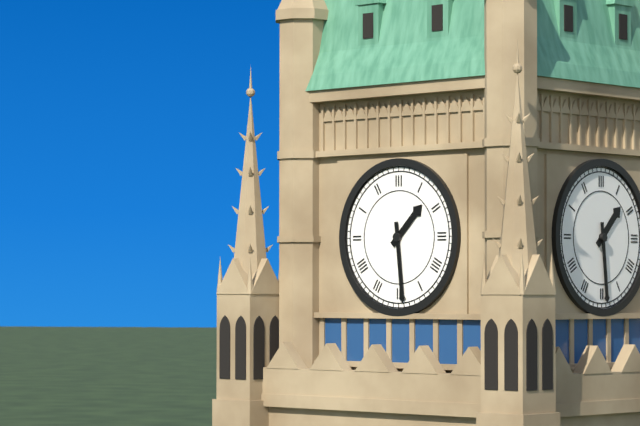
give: {"hour": 1, "minute": 29}
